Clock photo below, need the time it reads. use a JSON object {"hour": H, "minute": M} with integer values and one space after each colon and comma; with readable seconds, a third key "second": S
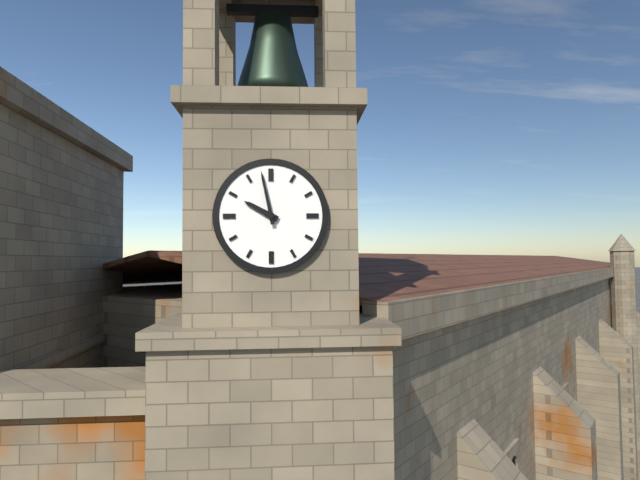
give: {"hour": 9, "minute": 58}
